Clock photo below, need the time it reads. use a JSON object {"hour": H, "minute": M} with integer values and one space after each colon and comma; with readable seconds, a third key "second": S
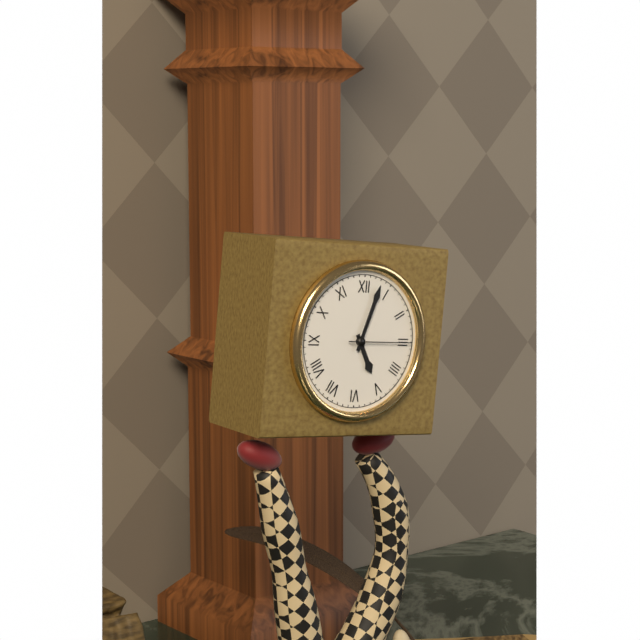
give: {"hour": 5, "minute": 3, "second": 15}
